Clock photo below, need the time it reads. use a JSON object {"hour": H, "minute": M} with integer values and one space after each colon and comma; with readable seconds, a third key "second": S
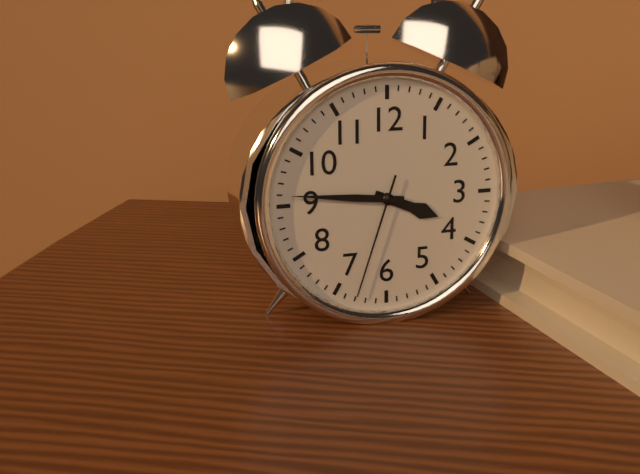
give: {"hour": 3, "minute": 46, "second": 33}
